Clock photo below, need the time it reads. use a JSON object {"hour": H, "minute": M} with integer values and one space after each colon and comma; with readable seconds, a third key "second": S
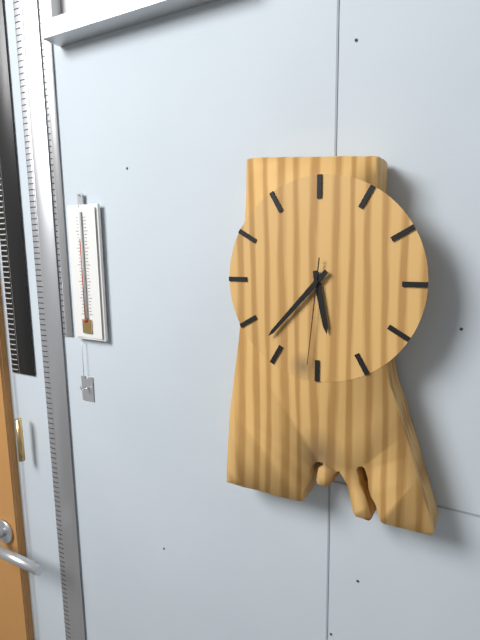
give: {"hour": 5, "minute": 37, "second": 31}
